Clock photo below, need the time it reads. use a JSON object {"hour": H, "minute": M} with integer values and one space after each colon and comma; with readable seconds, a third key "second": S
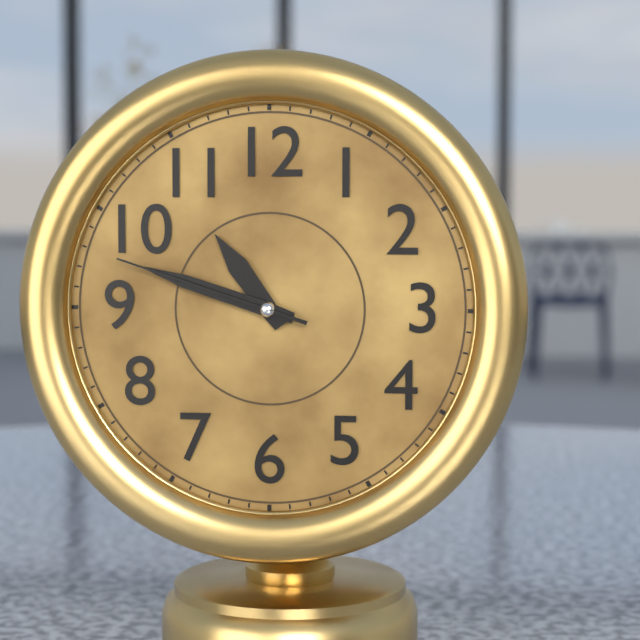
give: {"hour": 10, "minute": 48, "second": 48}
